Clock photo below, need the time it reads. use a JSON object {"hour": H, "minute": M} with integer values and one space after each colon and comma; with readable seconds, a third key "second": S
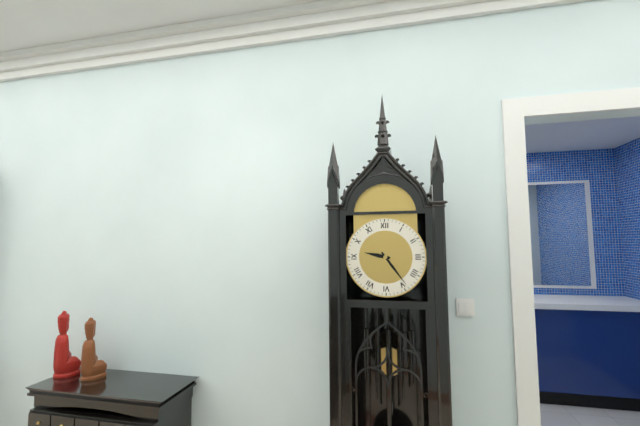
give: {"hour": 9, "minute": 24}
